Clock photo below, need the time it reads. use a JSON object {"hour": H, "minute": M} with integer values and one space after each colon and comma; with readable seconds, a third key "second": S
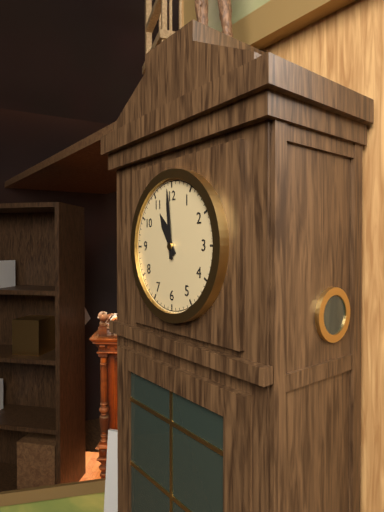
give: {"hour": 10, "minute": 59}
